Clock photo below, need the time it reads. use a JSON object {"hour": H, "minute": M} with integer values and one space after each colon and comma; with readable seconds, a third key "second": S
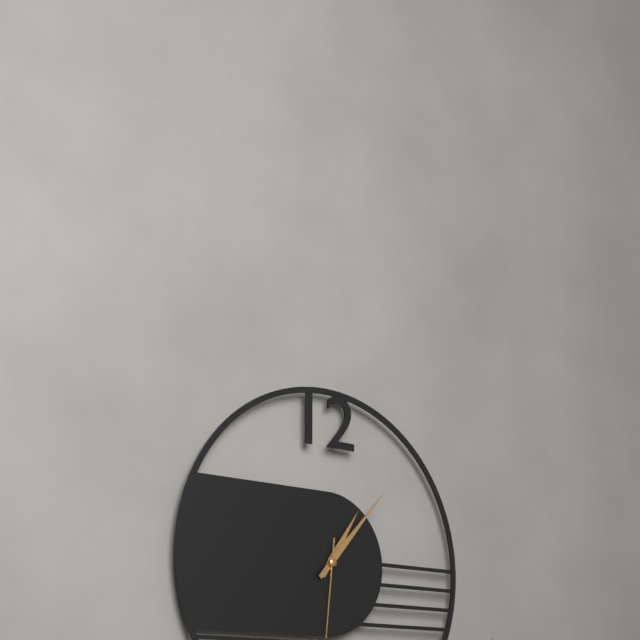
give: {"hour": 1, "minute": 7, "second": 31}
